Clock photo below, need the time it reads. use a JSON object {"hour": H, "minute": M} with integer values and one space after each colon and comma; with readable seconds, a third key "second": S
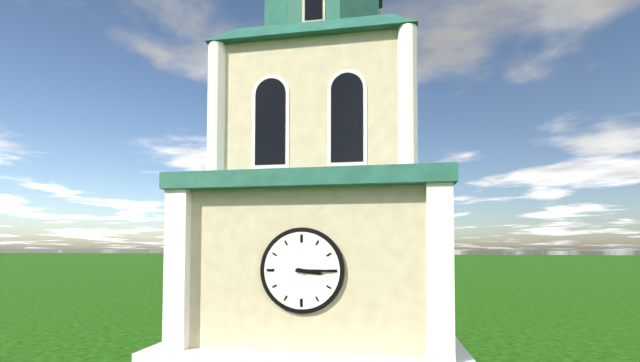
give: {"hour": 3, "minute": 15}
